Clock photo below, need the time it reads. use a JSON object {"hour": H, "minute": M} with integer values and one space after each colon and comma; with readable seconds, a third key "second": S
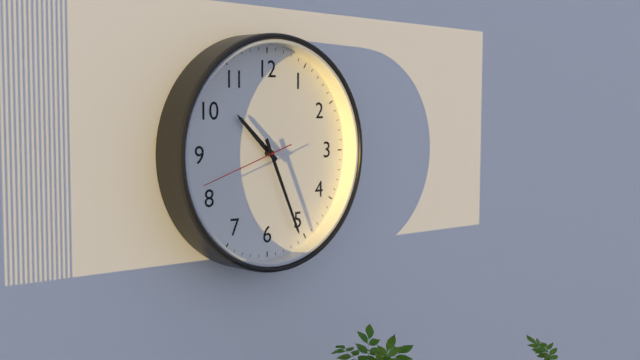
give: {"hour": 10, "minute": 26, "second": 42}
